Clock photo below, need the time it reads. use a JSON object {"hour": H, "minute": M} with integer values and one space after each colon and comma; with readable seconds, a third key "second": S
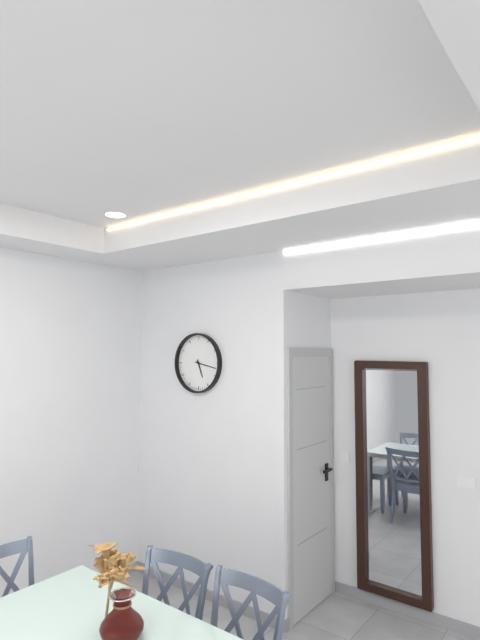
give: {"hour": 5, "minute": 17}
